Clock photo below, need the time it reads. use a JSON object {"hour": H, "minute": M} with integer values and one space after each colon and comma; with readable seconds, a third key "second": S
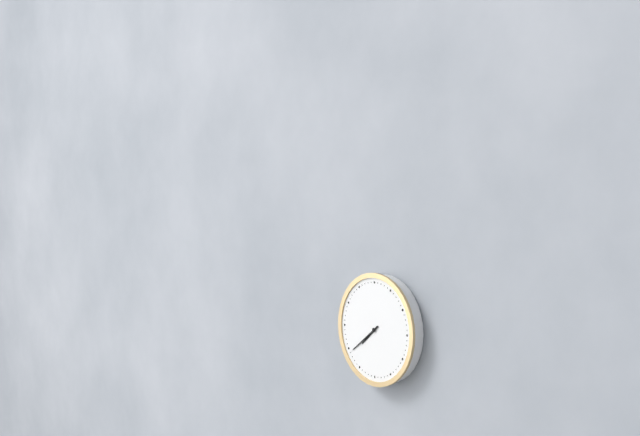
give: {"hour": 7, "minute": 39}
